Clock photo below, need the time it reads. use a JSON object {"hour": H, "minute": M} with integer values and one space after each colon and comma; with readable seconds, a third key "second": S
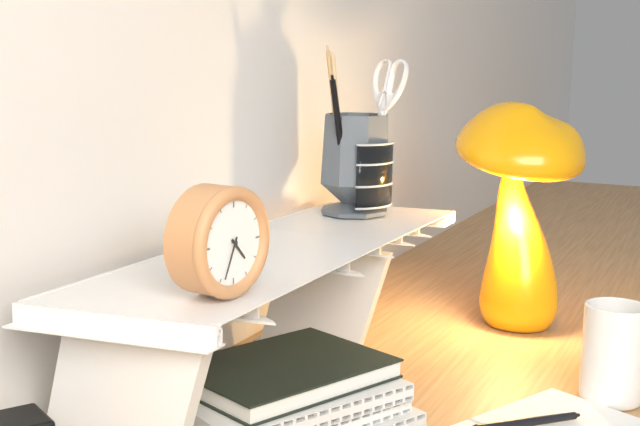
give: {"hour": 4, "minute": 34}
